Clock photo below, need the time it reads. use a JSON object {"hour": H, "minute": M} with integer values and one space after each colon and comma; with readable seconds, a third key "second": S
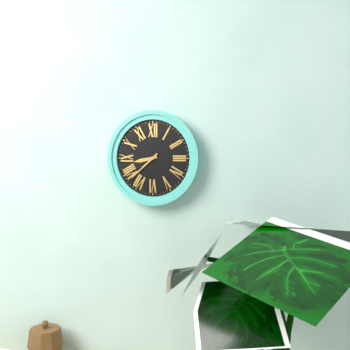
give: {"hour": 8, "minute": 38}
